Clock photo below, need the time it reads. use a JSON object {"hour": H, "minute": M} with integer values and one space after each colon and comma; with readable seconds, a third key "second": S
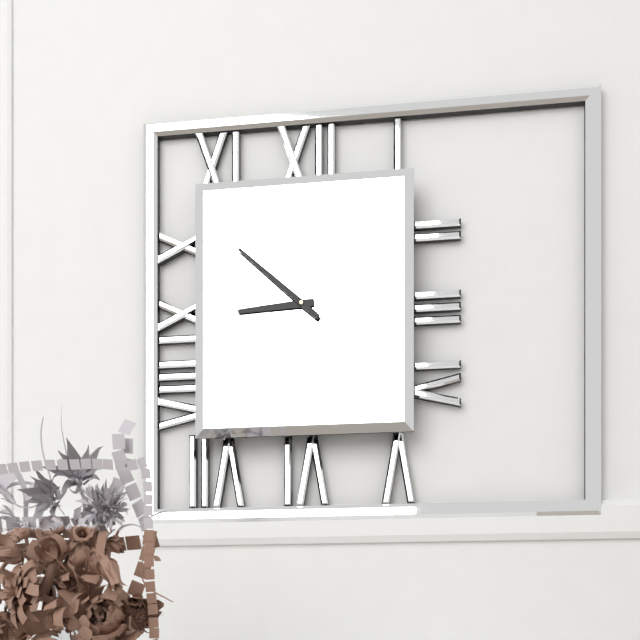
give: {"hour": 8, "minute": 52}
